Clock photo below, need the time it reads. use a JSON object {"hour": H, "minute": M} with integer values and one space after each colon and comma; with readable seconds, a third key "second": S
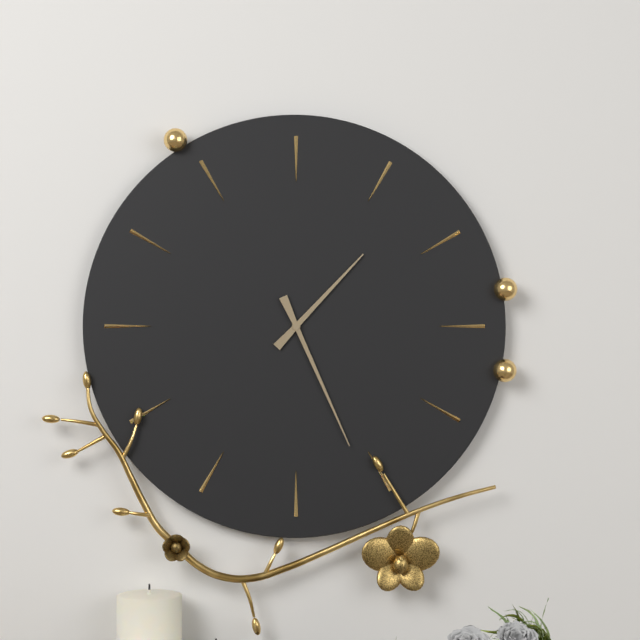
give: {"hour": 1, "minute": 26}
